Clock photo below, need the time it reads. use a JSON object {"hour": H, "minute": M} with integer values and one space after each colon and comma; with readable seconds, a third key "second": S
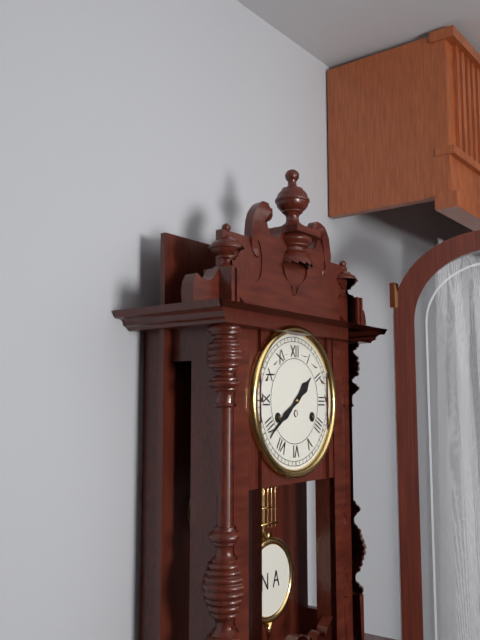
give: {"hour": 1, "minute": 39}
